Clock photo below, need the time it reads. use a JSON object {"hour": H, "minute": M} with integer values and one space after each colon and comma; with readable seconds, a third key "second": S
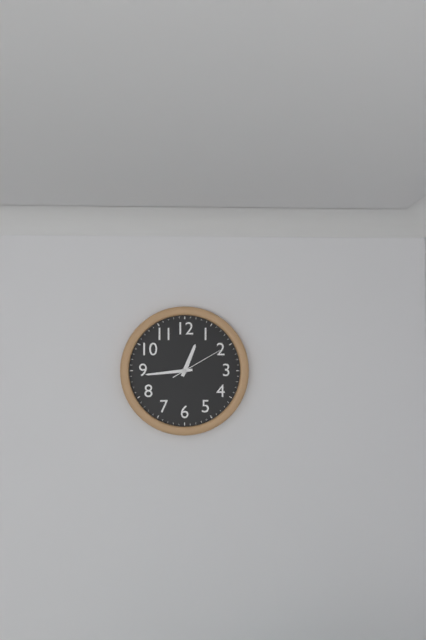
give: {"hour": 12, "minute": 44, "second": 10}
